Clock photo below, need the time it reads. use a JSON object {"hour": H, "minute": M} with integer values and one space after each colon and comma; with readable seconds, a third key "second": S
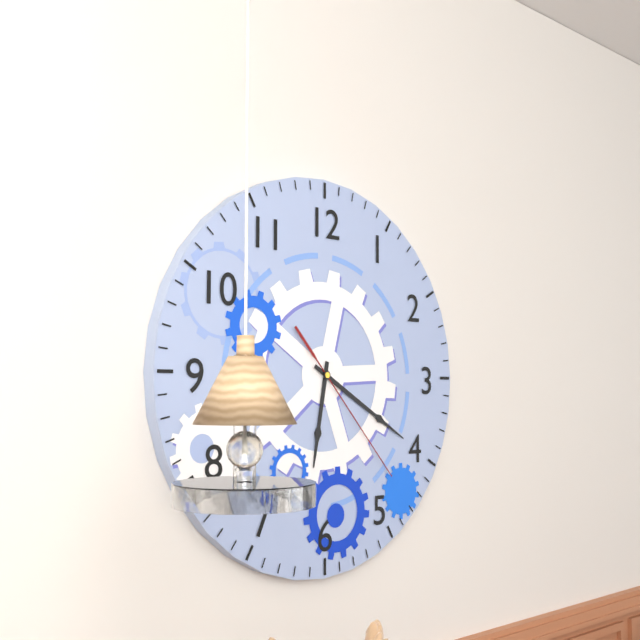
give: {"hour": 6, "minute": 20, "second": 23}
